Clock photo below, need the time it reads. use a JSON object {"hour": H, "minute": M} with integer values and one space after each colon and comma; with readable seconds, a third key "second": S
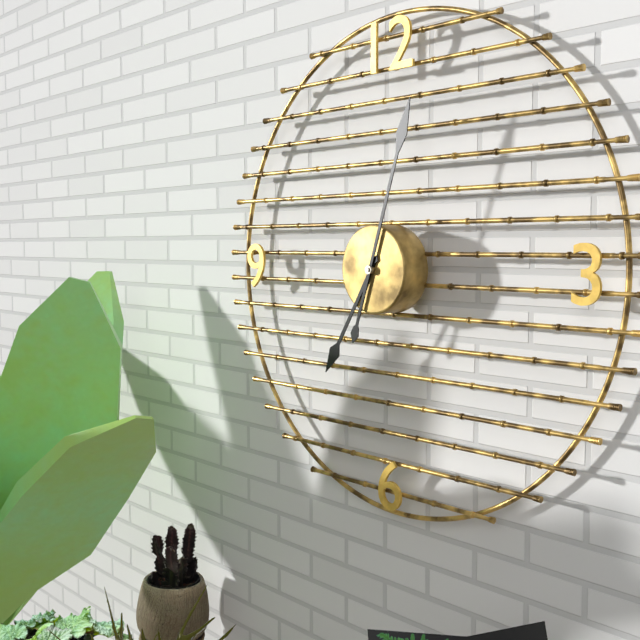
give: {"hour": 7, "minute": 3}
